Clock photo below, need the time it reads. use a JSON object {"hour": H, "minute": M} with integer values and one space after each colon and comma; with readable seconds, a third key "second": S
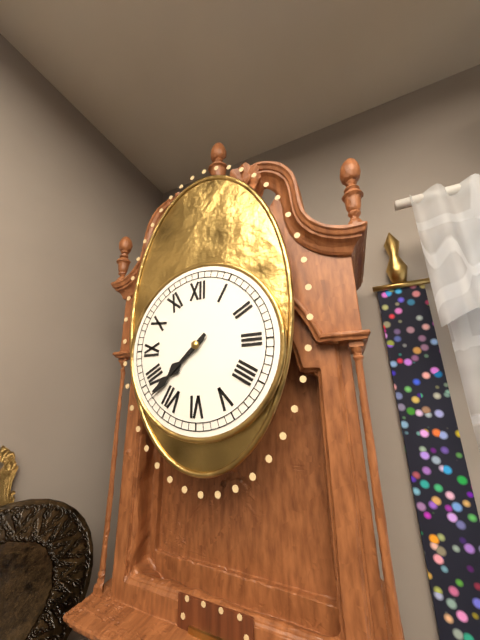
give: {"hour": 7, "minute": 38}
